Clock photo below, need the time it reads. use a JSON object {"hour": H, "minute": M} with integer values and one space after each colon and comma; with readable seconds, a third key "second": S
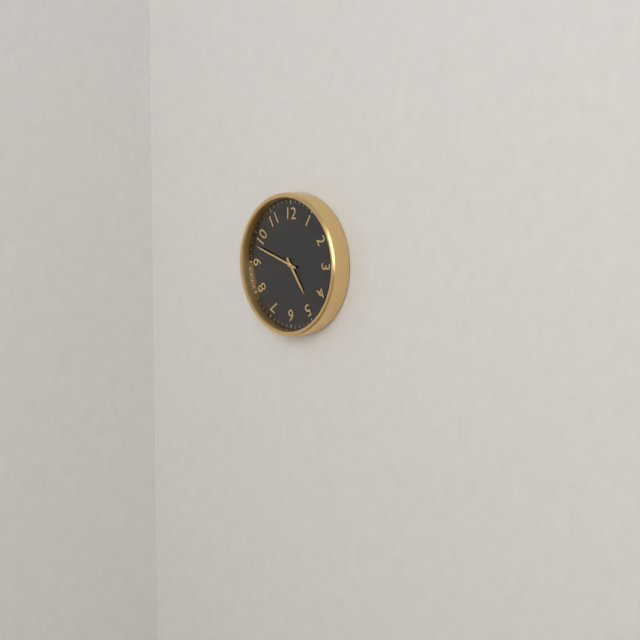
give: {"hour": 4, "minute": 48}
